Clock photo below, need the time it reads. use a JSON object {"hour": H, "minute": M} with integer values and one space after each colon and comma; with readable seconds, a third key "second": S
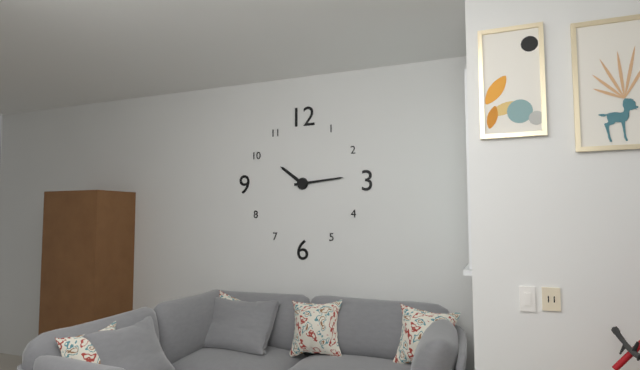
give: {"hour": 10, "minute": 14}
